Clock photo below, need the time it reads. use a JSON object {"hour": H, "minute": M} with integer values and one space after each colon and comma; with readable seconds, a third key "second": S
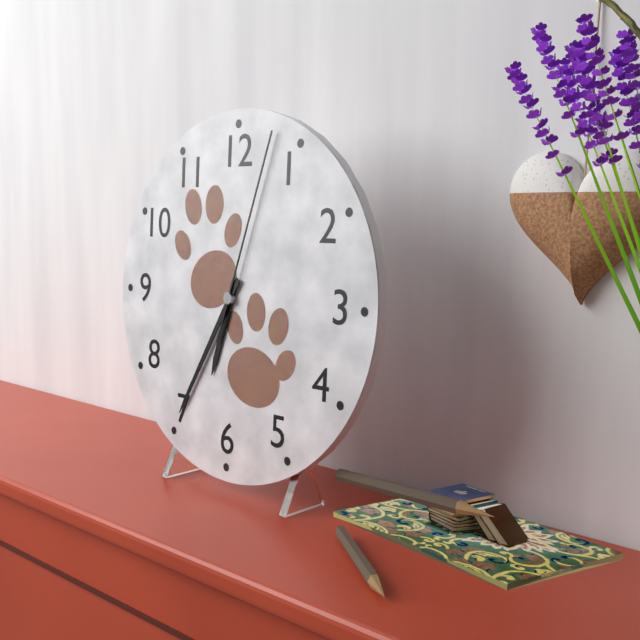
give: {"hour": 6, "minute": 35, "second": 3}
